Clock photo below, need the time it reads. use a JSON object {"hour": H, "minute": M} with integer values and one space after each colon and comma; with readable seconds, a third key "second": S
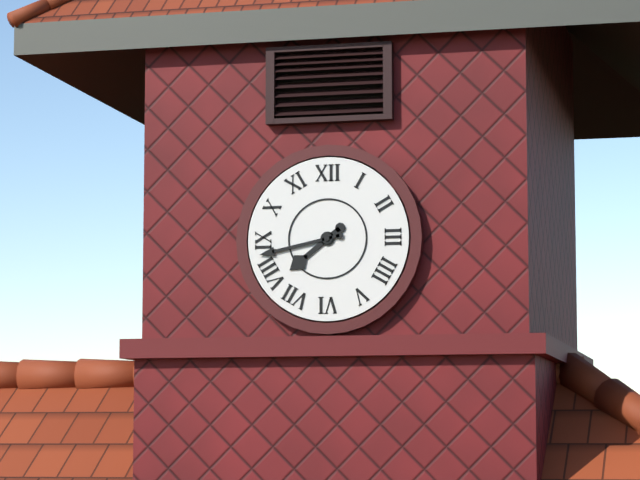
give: {"hour": 7, "minute": 43}
